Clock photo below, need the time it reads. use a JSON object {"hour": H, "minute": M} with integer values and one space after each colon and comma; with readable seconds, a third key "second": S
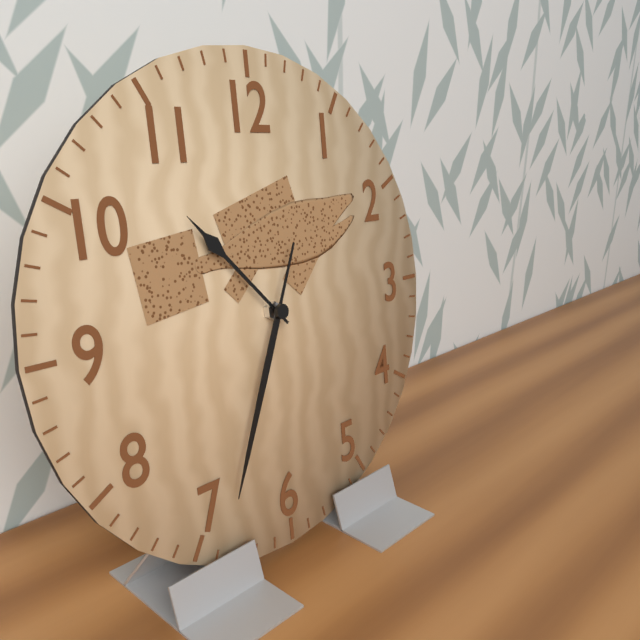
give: {"hour": 10, "minute": 34}
